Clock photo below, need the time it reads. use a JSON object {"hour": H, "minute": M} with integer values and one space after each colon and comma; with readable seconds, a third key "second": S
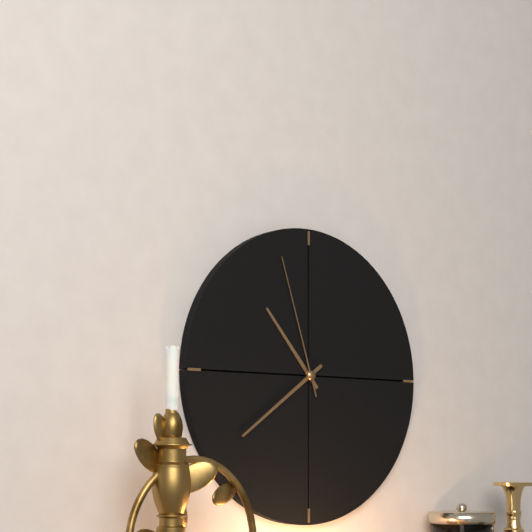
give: {"hour": 10, "minute": 39, "second": 57}
